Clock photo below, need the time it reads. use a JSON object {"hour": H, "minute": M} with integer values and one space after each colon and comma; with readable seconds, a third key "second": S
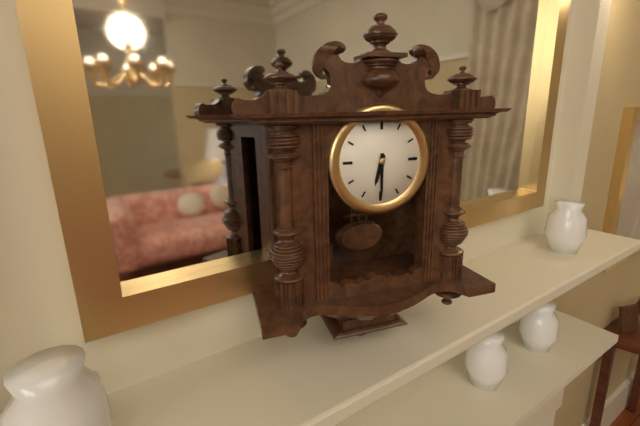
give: {"hour": 6, "minute": 30}
